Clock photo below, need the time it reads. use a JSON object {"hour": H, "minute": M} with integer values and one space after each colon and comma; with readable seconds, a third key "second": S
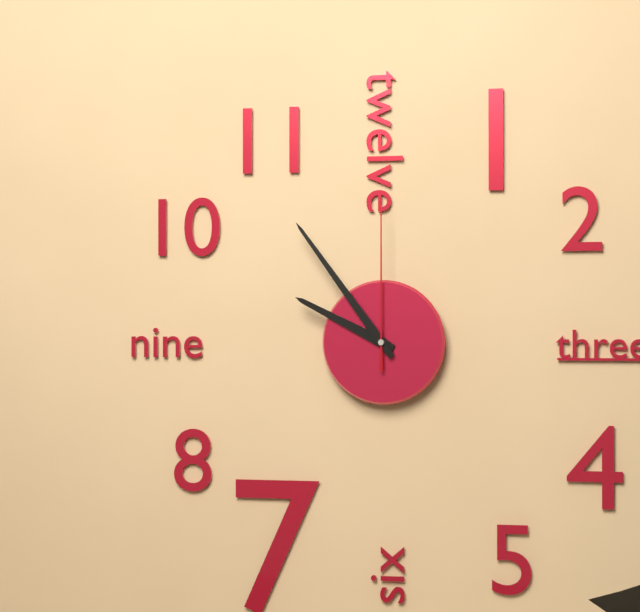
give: {"hour": 9, "minute": 54, "second": 0}
